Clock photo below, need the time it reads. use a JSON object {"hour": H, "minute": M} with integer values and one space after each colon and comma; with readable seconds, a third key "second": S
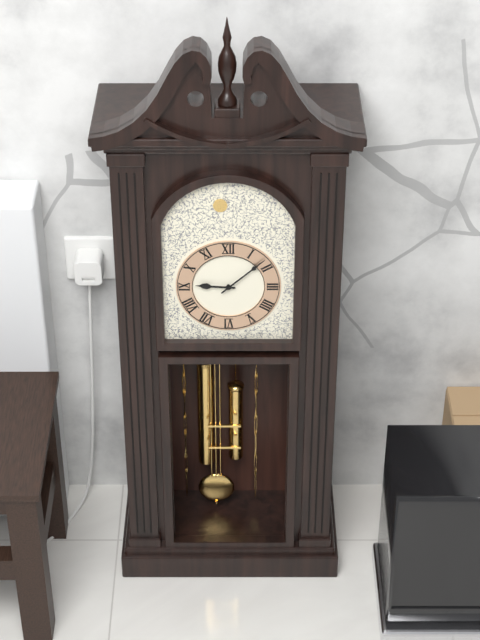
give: {"hour": 9, "minute": 8}
